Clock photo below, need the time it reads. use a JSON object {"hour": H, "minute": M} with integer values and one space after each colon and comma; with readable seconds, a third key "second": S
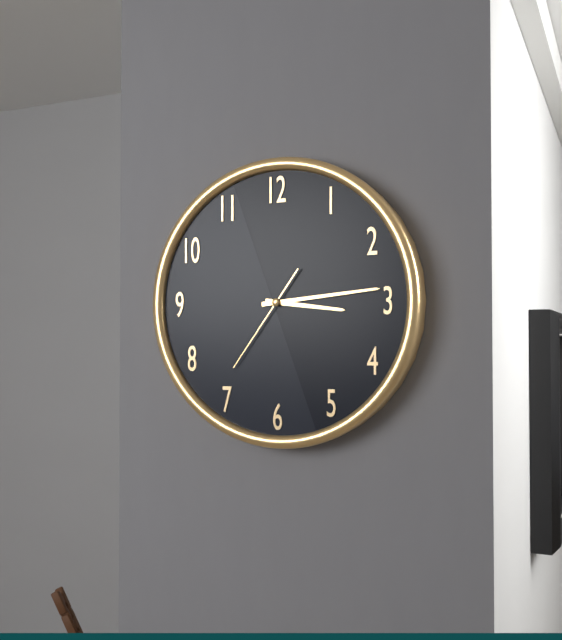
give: {"hour": 3, "minute": 14, "second": 36}
